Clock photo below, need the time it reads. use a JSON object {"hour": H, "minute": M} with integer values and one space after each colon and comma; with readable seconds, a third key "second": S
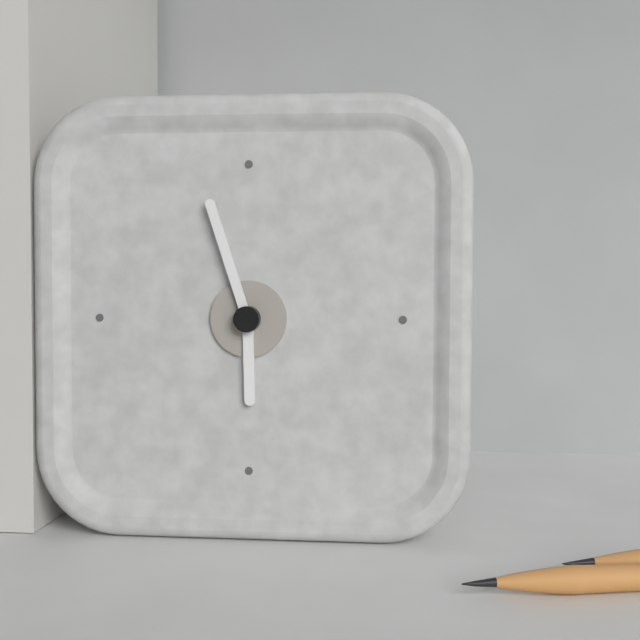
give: {"hour": 5, "minute": 57}
